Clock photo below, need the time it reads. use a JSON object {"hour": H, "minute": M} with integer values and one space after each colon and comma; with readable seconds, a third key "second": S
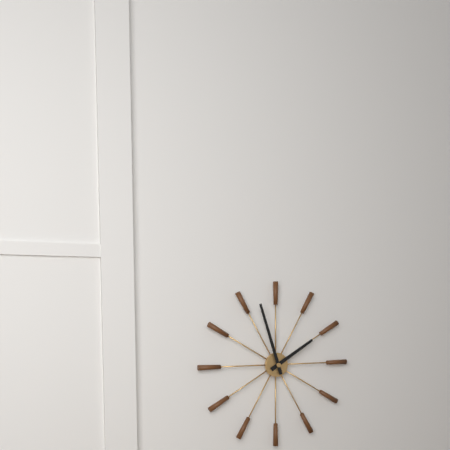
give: {"hour": 1, "minute": 57}
